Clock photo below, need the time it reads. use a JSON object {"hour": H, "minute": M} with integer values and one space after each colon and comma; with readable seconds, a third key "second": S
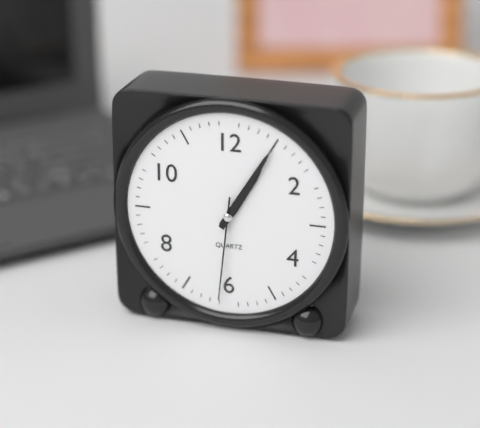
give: {"hour": 1, "minute": 5, "second": 31}
